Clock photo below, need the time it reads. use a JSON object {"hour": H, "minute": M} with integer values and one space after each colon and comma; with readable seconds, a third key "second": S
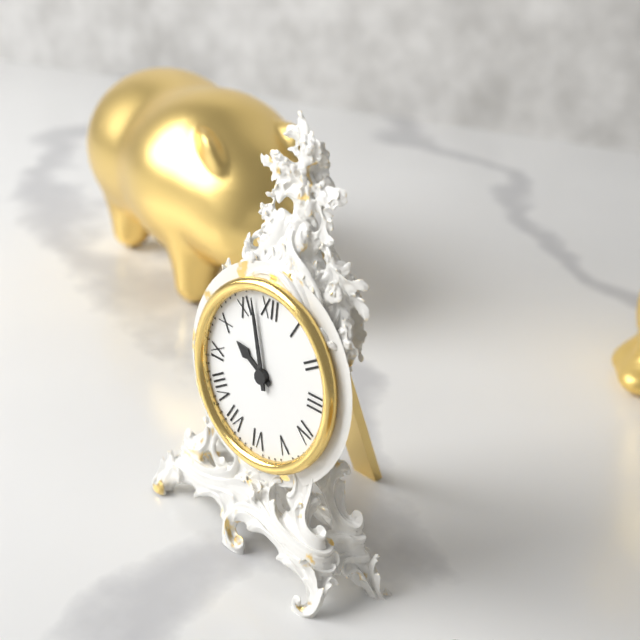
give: {"hour": 9, "minute": 57}
